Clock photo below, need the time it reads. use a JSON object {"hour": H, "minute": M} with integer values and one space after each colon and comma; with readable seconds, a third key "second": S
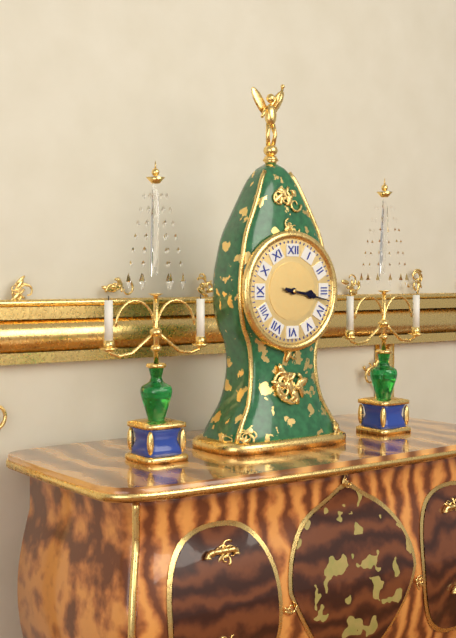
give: {"hour": 3, "minute": 17}
